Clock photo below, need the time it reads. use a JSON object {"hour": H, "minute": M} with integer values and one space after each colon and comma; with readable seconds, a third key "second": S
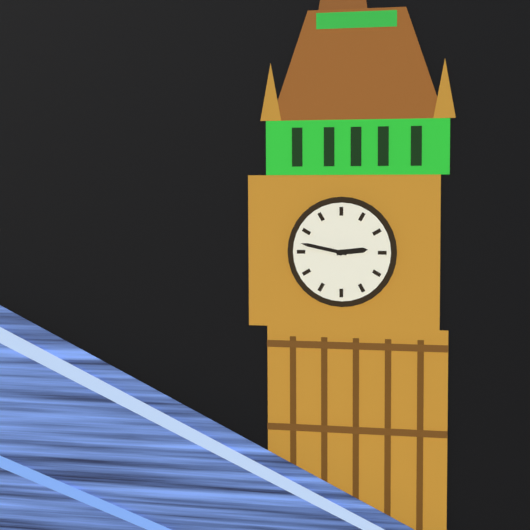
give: {"hour": 2, "minute": 47}
